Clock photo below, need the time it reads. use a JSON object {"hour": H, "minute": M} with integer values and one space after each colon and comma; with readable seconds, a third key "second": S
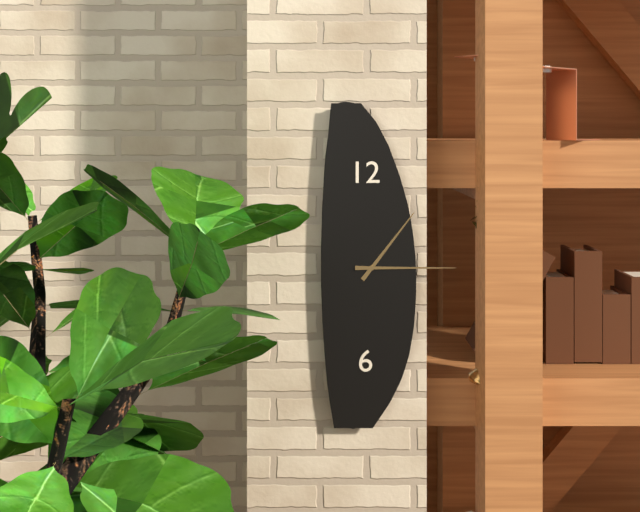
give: {"hour": 1, "minute": 15}
